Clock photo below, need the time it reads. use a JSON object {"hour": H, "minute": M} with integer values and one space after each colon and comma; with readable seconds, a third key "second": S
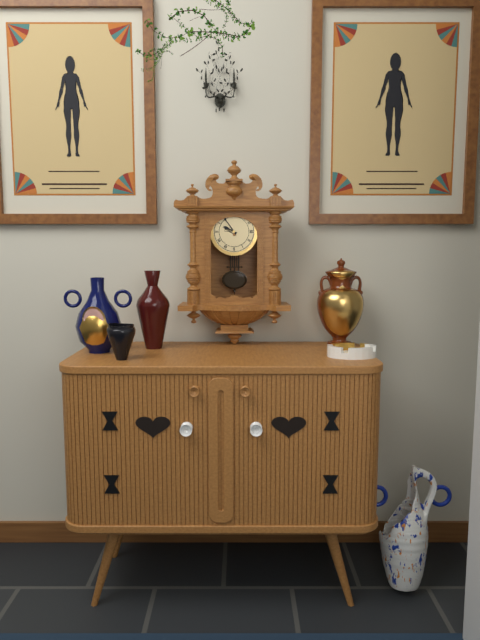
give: {"hour": 9, "minute": 54}
